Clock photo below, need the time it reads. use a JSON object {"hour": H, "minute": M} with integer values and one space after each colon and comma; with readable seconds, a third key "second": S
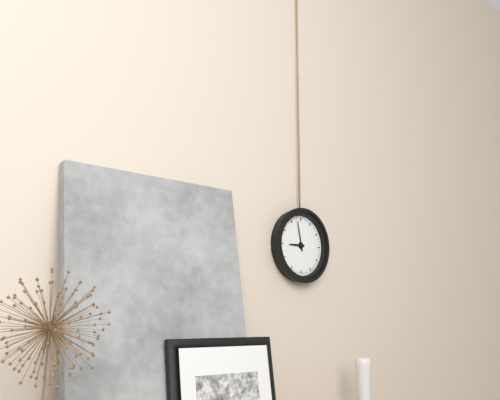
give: {"hour": 8, "minute": 58}
